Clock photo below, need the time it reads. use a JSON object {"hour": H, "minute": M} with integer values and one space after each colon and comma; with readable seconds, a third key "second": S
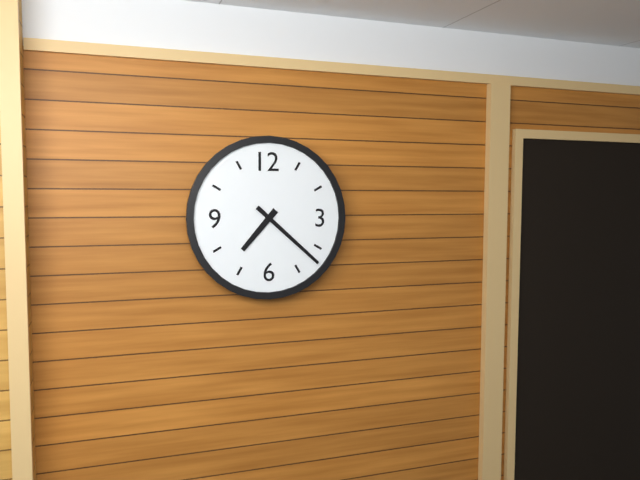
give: {"hour": 7, "minute": 22}
